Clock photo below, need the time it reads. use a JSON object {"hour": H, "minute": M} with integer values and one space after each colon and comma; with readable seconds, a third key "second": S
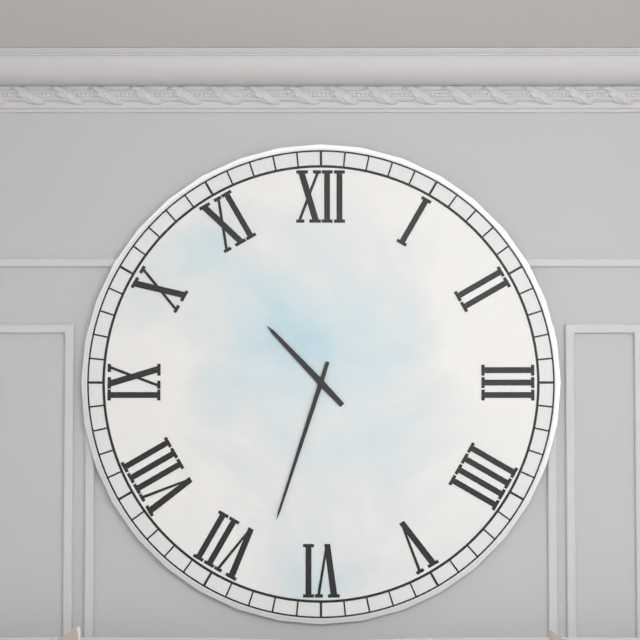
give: {"hour": 10, "minute": 33}
